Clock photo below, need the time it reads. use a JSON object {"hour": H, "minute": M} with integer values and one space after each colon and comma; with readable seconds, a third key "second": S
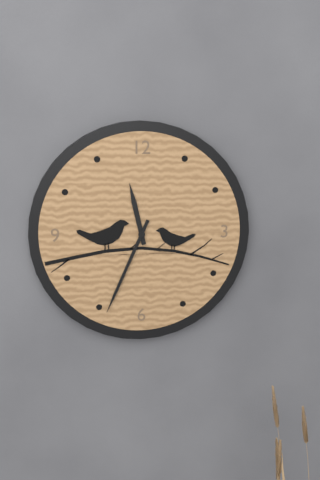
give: {"hour": 11, "minute": 34}
